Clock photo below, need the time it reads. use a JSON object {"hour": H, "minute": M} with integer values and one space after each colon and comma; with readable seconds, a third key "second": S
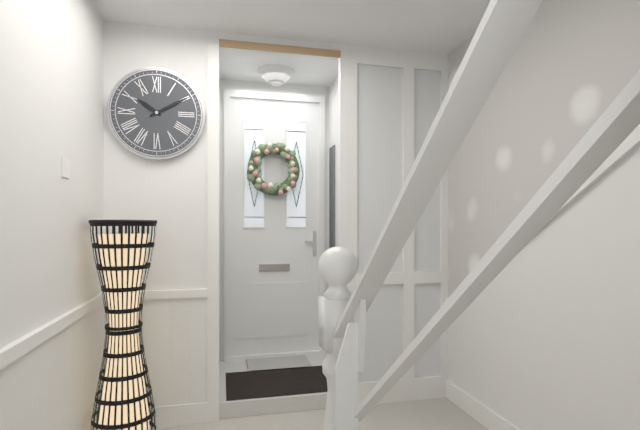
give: {"hour": 10, "minute": 10}
